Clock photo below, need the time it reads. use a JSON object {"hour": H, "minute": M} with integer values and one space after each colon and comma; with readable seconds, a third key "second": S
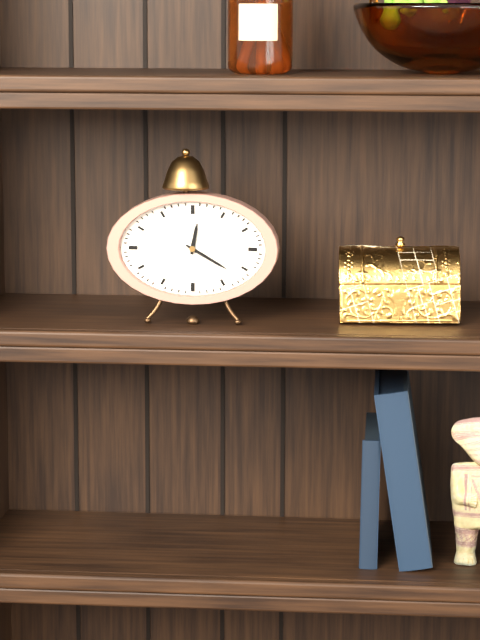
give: {"hour": 12, "minute": 20}
